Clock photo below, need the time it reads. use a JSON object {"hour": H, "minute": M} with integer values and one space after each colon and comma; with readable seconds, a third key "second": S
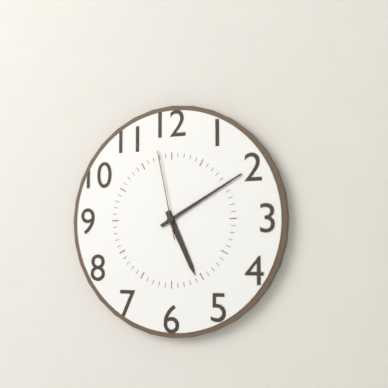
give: {"hour": 5, "minute": 10, "second": 58}
